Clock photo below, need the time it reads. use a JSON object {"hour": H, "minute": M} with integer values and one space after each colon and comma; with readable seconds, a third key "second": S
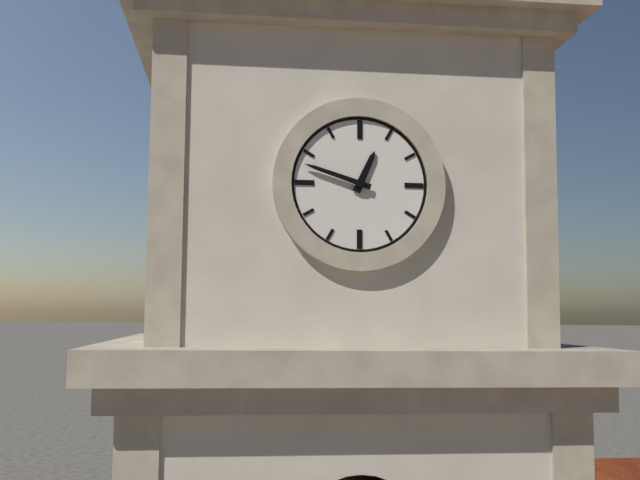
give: {"hour": 12, "minute": 48}
